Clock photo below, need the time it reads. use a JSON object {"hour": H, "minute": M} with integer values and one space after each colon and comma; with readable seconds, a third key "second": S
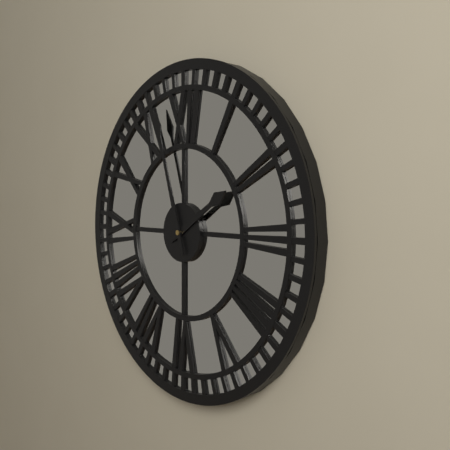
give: {"hour": 1, "minute": 57}
